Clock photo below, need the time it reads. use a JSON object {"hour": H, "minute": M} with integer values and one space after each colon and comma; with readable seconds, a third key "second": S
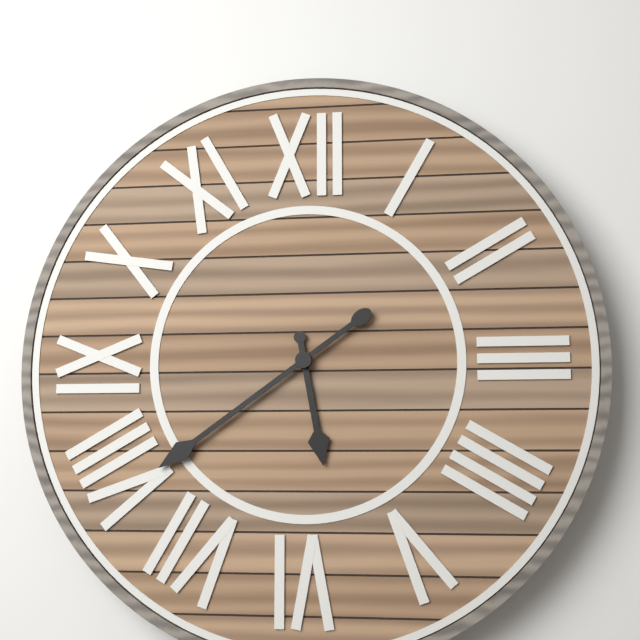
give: {"hour": 5, "minute": 39}
